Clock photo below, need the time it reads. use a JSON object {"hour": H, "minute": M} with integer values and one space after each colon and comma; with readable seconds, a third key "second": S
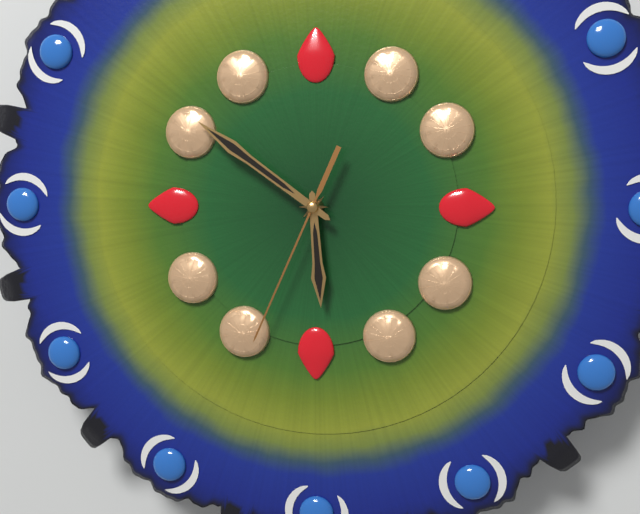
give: {"hour": 5, "minute": 51, "second": 34}
